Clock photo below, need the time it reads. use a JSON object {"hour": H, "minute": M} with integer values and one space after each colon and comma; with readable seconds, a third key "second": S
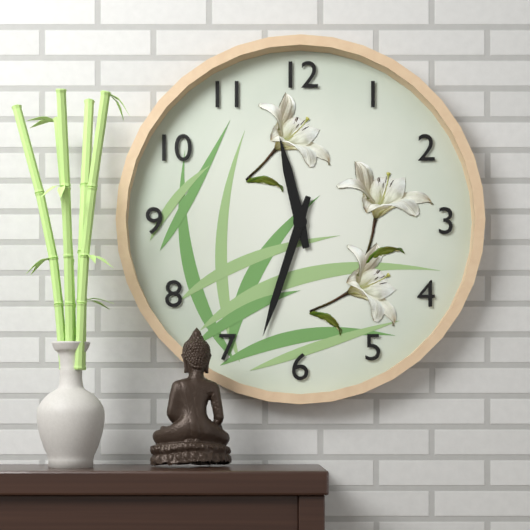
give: {"hour": 11, "minute": 33}
